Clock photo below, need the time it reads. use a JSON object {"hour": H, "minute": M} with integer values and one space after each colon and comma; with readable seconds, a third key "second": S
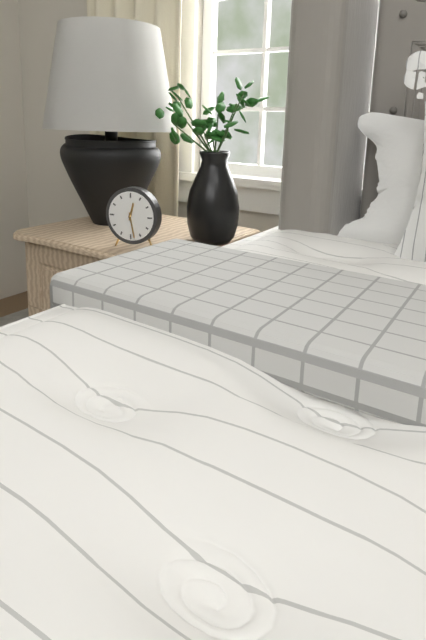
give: {"hour": 12, "minute": 28}
